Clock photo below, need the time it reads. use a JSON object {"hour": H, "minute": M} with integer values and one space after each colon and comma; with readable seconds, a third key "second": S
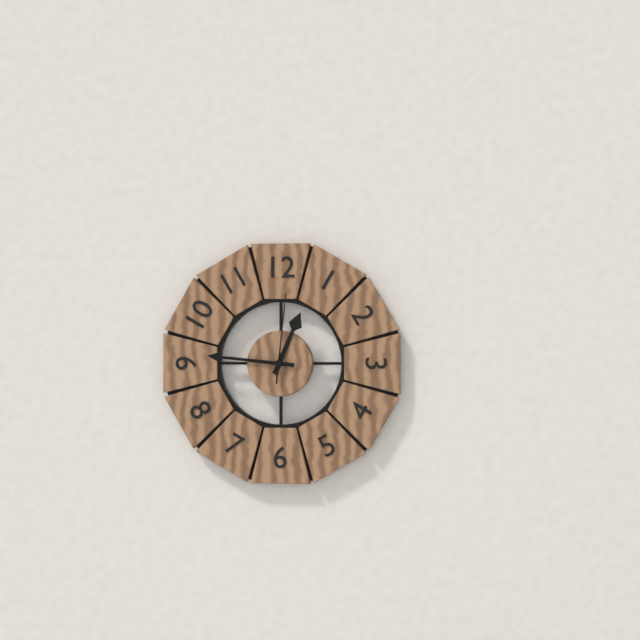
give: {"hour": 12, "minute": 46, "second": 1}
